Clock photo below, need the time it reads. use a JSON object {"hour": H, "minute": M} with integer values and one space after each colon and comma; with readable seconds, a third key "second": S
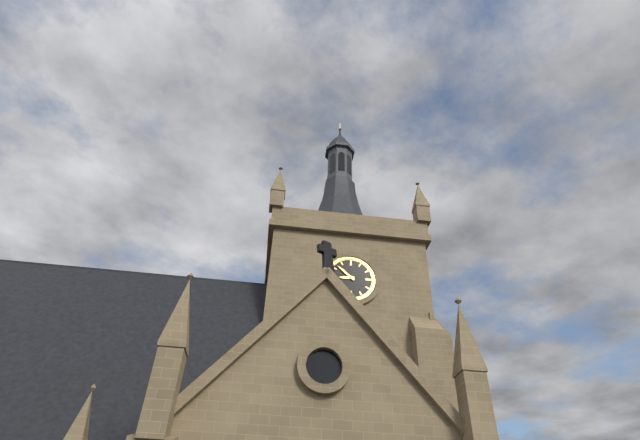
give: {"hour": 8, "minute": 52}
